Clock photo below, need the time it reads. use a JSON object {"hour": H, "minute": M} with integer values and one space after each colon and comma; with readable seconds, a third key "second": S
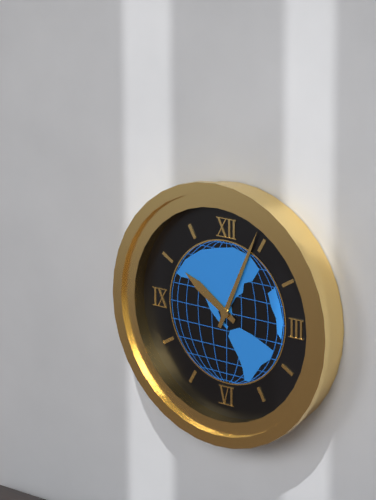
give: {"hour": 10, "minute": 4}
